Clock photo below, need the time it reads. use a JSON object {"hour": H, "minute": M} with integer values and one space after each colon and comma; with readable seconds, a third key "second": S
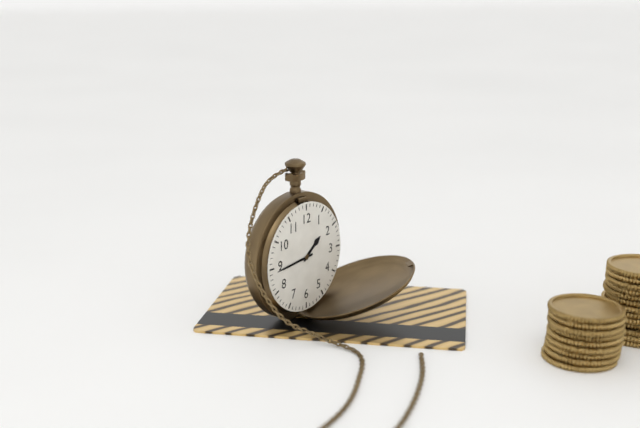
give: {"hour": 1, "minute": 44}
